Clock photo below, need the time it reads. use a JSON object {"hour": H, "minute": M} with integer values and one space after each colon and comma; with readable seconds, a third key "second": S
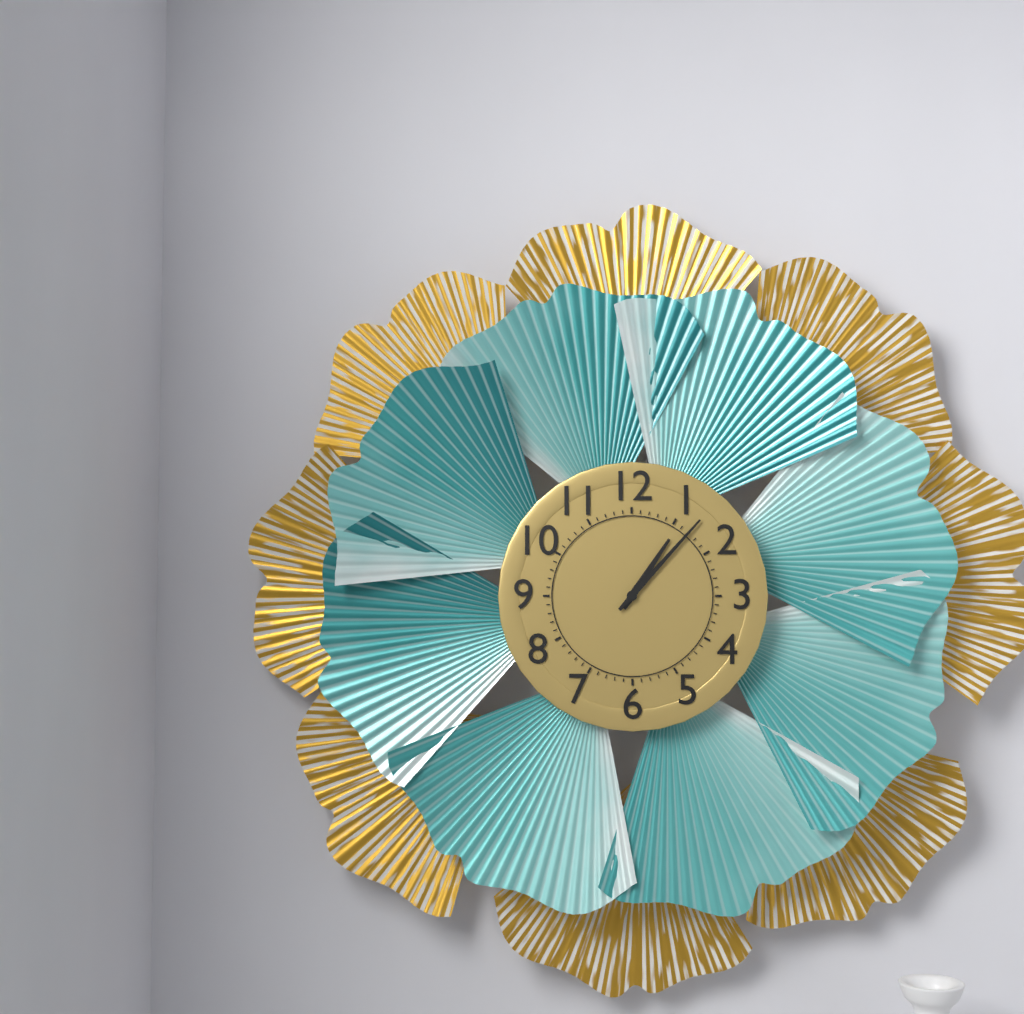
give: {"hour": 1, "minute": 7}
